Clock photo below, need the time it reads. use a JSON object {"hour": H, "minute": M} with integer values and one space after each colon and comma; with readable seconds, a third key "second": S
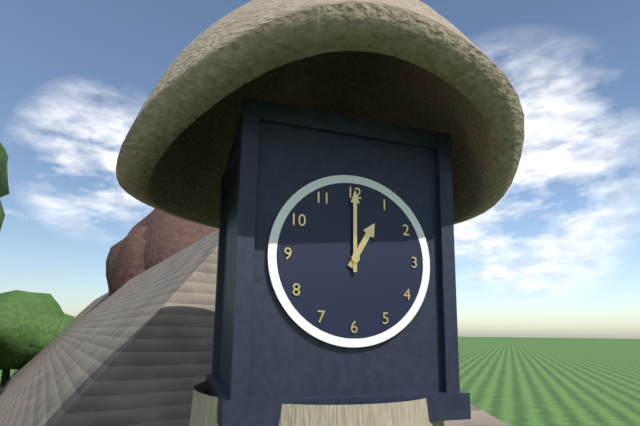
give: {"hour": 1, "minute": 0}
